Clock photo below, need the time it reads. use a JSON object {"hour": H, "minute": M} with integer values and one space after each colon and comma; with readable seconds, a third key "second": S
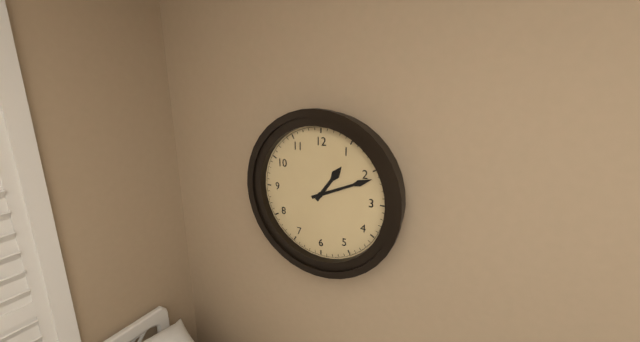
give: {"hour": 1, "minute": 11}
